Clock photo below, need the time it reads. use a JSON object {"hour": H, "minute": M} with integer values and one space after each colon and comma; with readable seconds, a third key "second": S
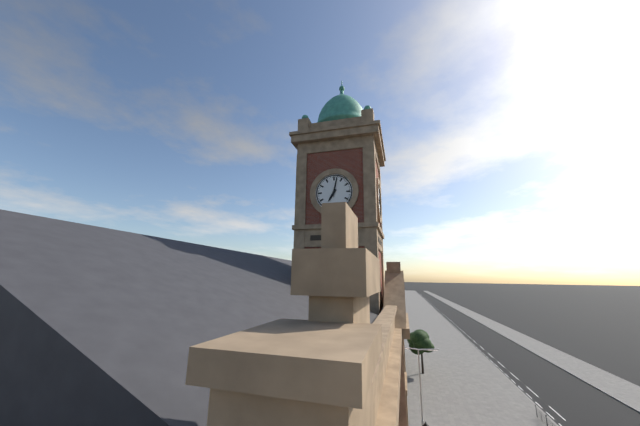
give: {"hour": 7, "minute": 2}
